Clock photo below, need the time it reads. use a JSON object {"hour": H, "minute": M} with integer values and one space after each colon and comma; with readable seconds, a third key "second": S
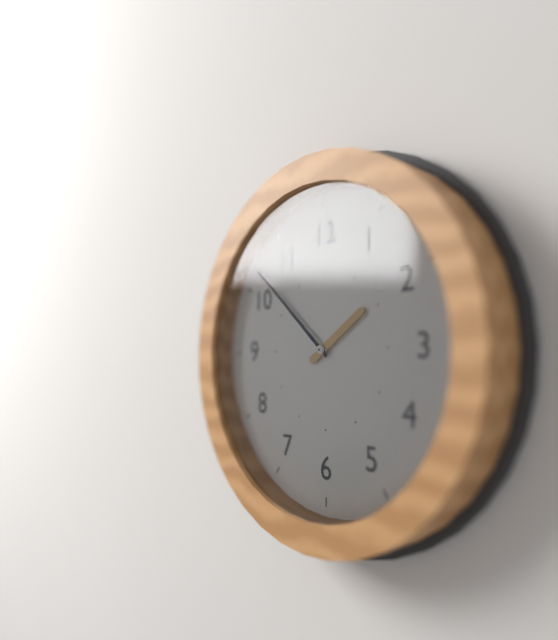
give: {"hour": 1, "minute": 52}
